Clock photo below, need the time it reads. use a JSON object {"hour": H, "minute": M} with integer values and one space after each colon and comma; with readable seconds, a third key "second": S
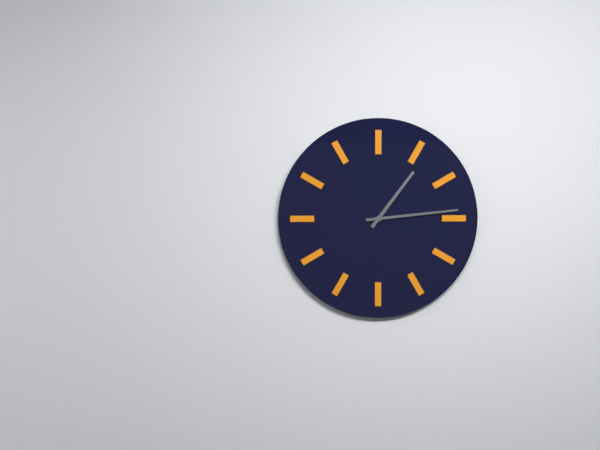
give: {"hour": 1, "minute": 14}
